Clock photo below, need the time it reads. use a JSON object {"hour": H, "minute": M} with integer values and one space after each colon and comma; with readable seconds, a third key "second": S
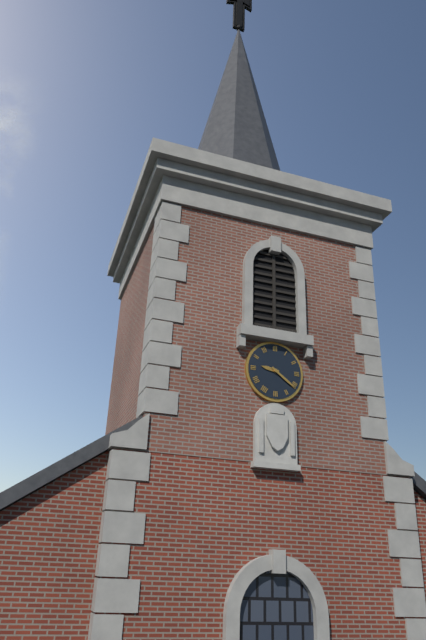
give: {"hour": 9, "minute": 21}
